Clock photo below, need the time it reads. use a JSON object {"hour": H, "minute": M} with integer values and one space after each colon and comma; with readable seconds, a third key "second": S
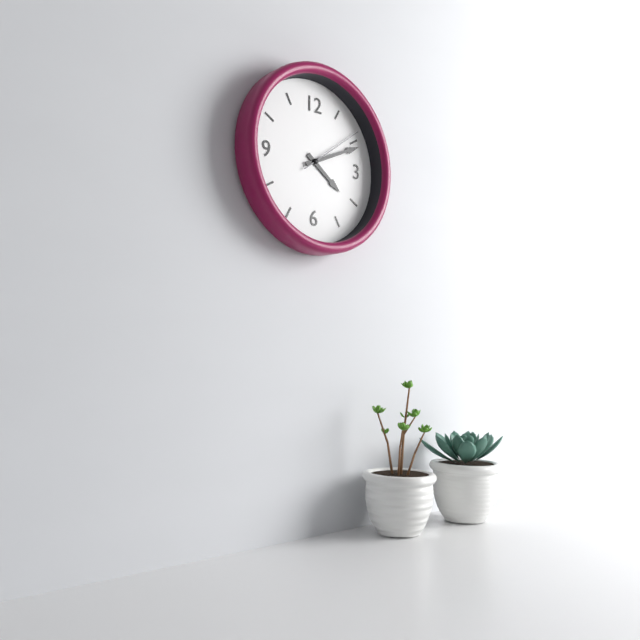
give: {"hour": 4, "minute": 11, "second": 9}
